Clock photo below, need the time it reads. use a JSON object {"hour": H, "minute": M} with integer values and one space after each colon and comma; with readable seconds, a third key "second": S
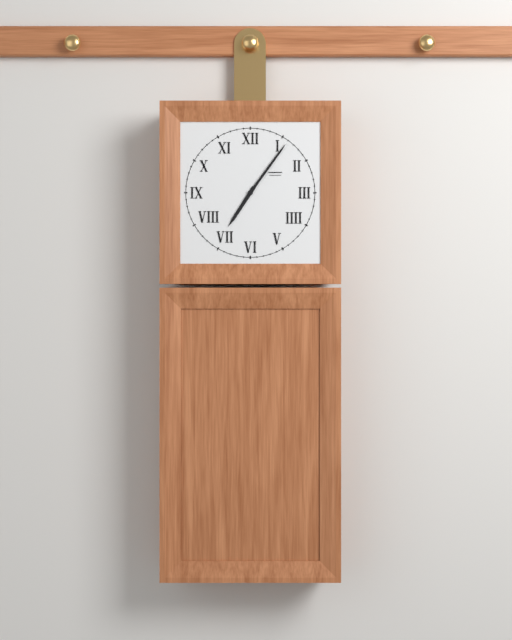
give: {"hour": 7, "minute": 6}
